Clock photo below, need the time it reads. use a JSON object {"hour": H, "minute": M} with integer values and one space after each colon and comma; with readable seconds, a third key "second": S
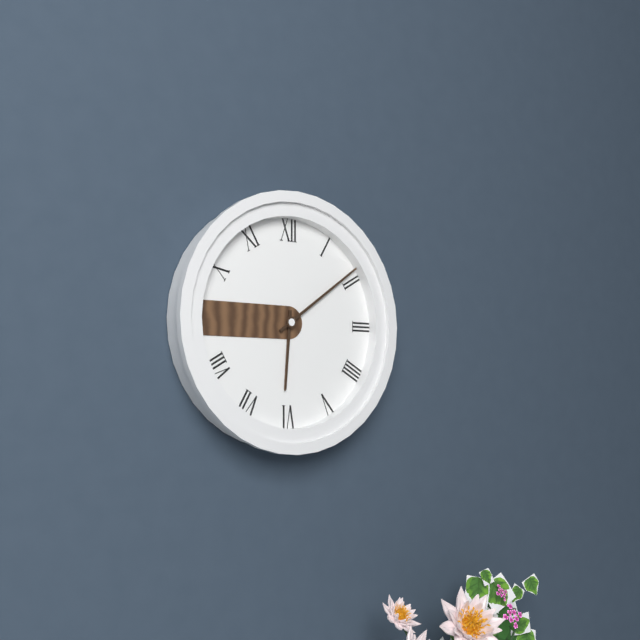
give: {"hour": 6, "minute": 9}
